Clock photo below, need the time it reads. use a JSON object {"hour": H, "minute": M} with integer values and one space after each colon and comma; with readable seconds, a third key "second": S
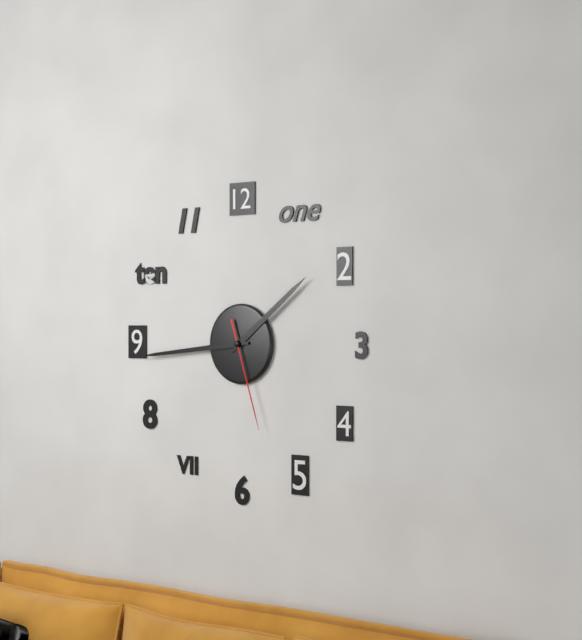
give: {"hour": 1, "minute": 44, "second": 27}
